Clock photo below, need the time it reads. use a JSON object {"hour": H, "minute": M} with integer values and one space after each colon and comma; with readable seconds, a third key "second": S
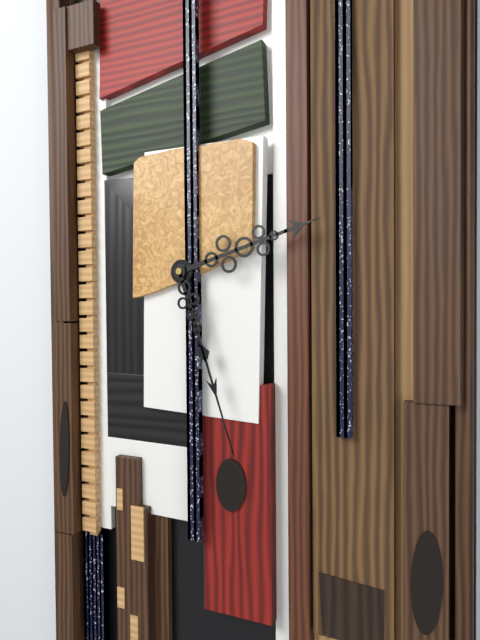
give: {"hour": 2, "minute": 27}
